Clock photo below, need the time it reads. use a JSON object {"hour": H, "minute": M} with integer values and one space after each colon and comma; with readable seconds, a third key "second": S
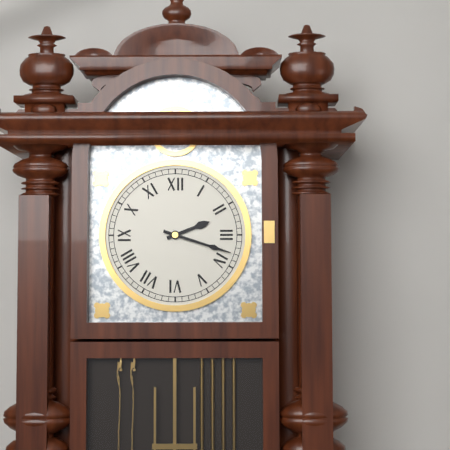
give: {"hour": 2, "minute": 18}
